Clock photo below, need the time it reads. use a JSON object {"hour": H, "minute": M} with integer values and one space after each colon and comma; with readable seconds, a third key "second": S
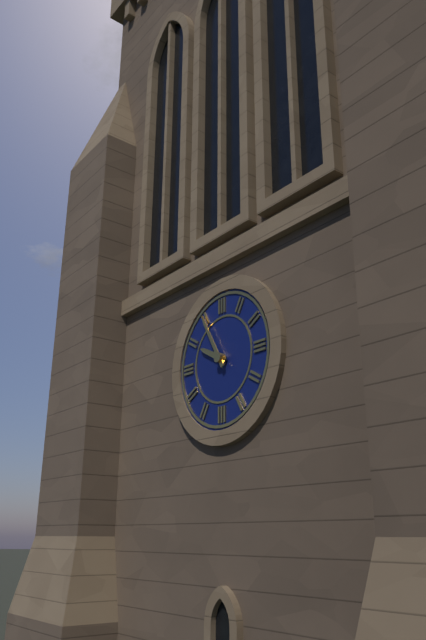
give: {"hour": 9, "minute": 55}
